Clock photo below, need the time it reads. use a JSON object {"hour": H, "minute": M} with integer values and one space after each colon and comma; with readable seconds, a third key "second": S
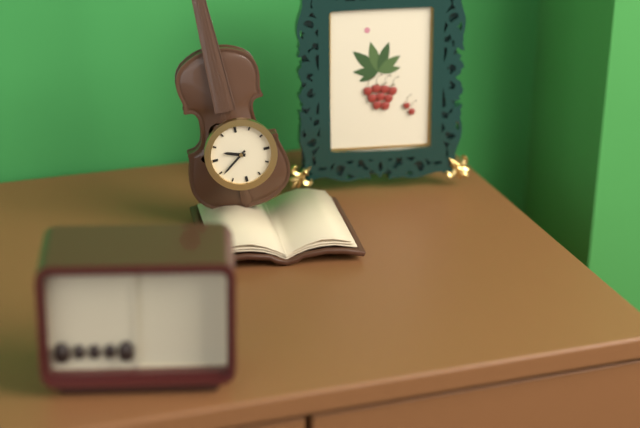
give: {"hour": 9, "minute": 39}
